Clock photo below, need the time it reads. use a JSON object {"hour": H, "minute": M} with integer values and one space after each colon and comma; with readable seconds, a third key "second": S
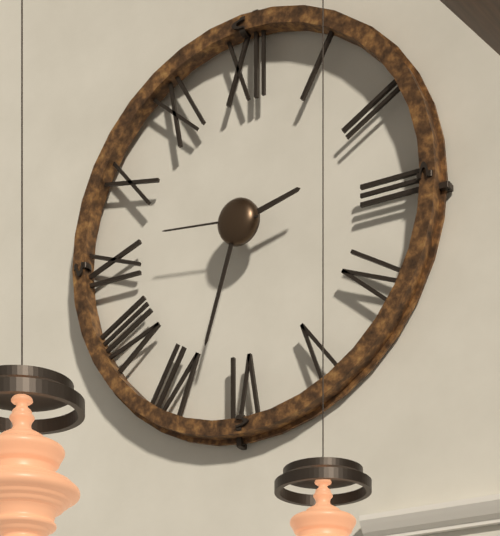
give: {"hour": 2, "minute": 33, "second": 46}
